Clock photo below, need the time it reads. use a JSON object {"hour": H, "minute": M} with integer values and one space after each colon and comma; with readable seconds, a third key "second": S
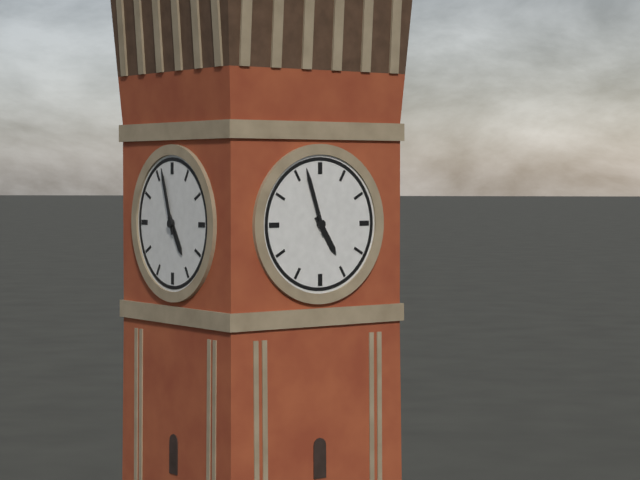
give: {"hour": 4, "minute": 57}
